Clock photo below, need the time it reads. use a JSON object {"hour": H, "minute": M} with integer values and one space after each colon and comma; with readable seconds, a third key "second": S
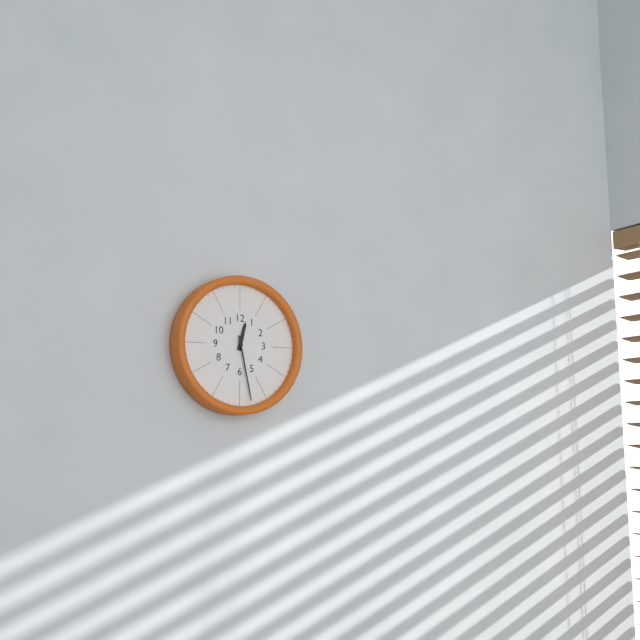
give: {"hour": 12, "minute": 28}
